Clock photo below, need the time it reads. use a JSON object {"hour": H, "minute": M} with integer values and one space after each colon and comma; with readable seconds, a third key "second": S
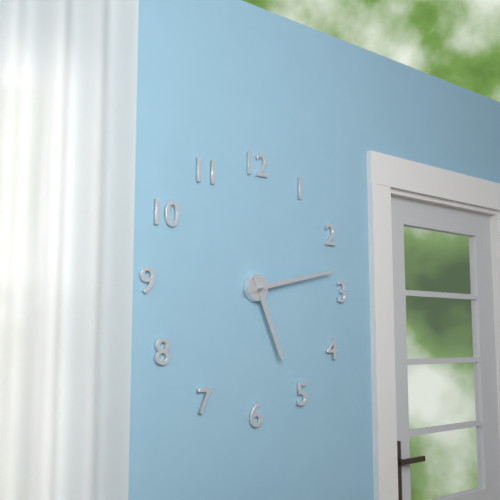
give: {"hour": 5, "minute": 13}
